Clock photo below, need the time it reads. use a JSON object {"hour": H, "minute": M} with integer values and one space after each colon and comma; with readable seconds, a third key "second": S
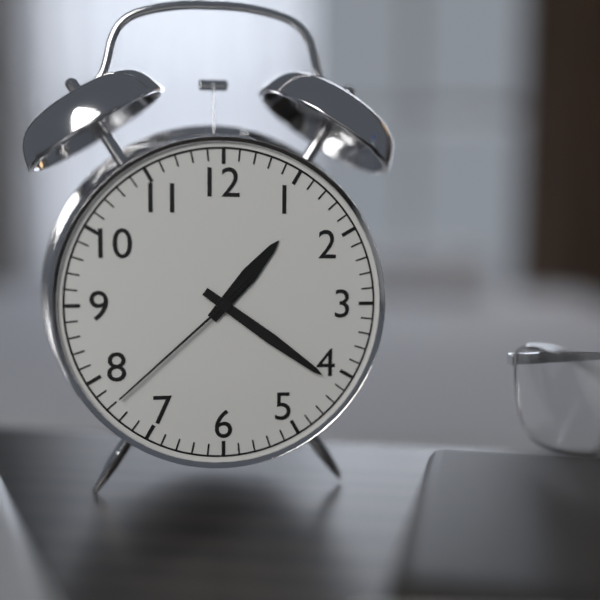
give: {"hour": 1, "minute": 21, "second": 38}
